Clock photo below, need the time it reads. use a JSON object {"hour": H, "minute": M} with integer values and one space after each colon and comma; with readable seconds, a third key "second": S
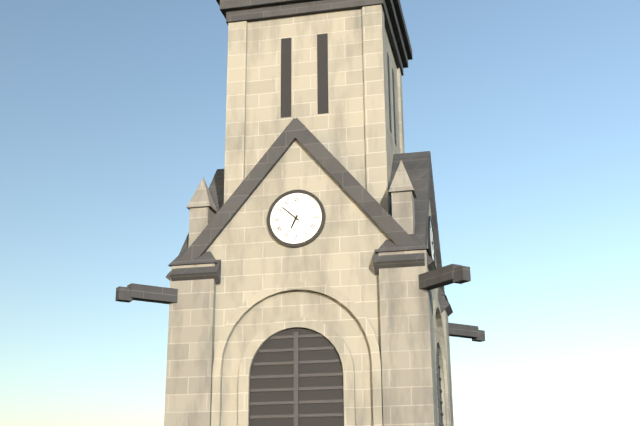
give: {"hour": 6, "minute": 52}
